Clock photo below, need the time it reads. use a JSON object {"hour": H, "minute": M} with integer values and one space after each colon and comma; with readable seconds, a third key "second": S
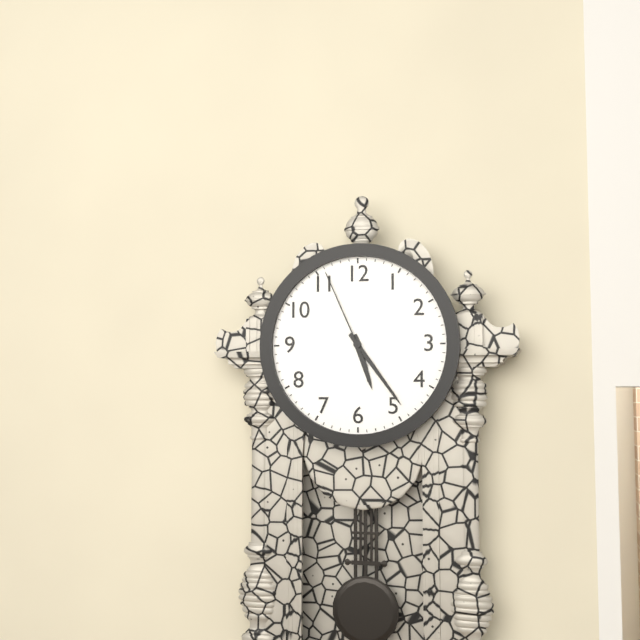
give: {"hour": 5, "minute": 24, "second": 56}
